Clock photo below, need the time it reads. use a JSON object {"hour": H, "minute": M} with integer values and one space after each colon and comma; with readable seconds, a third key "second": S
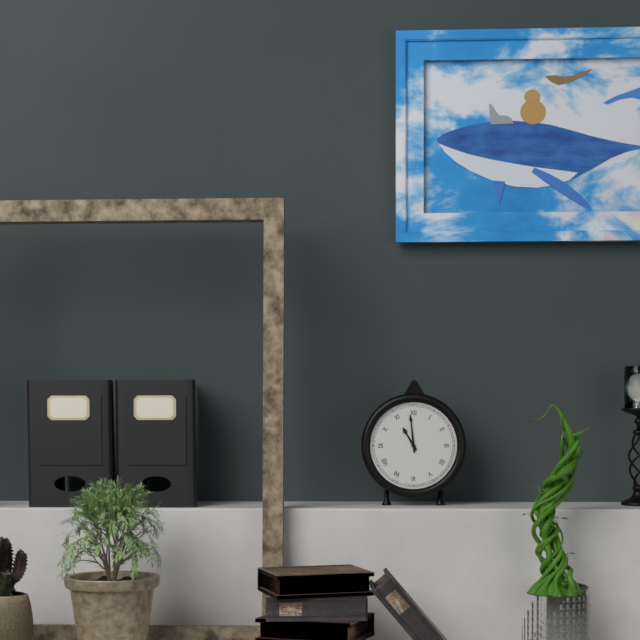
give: {"hour": 10, "minute": 59}
